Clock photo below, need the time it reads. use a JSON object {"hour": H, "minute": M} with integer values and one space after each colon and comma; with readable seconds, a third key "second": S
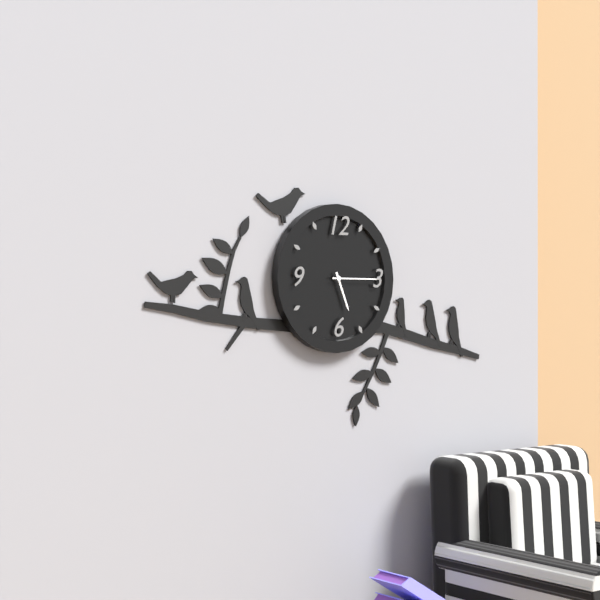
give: {"hour": 5, "minute": 15}
